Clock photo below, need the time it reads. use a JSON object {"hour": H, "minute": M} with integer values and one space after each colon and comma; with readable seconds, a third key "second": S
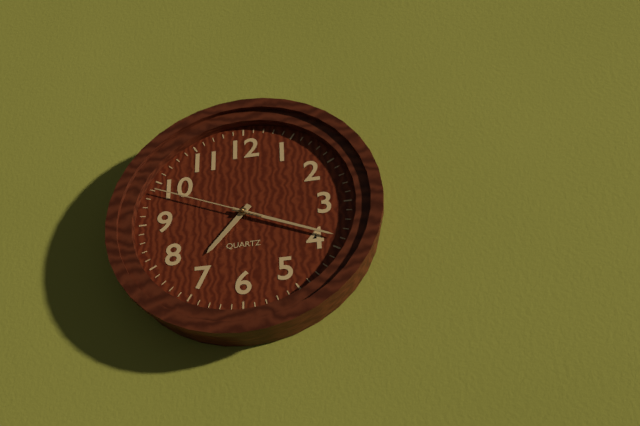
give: {"hour": 7, "minute": 19, "second": 49}
